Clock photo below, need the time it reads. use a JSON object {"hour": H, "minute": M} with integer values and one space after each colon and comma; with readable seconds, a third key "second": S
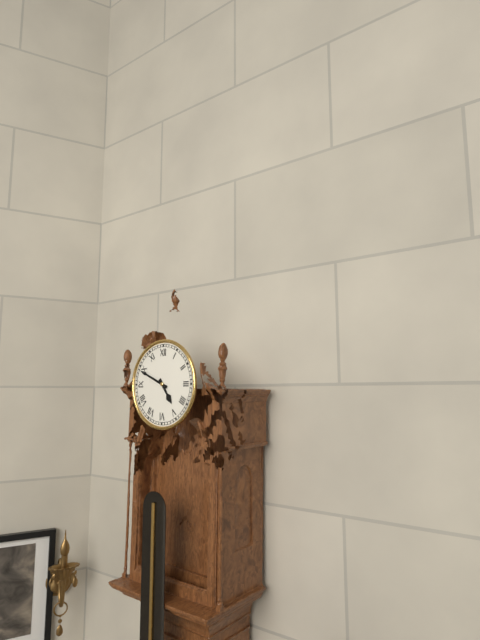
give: {"hour": 4, "minute": 49}
